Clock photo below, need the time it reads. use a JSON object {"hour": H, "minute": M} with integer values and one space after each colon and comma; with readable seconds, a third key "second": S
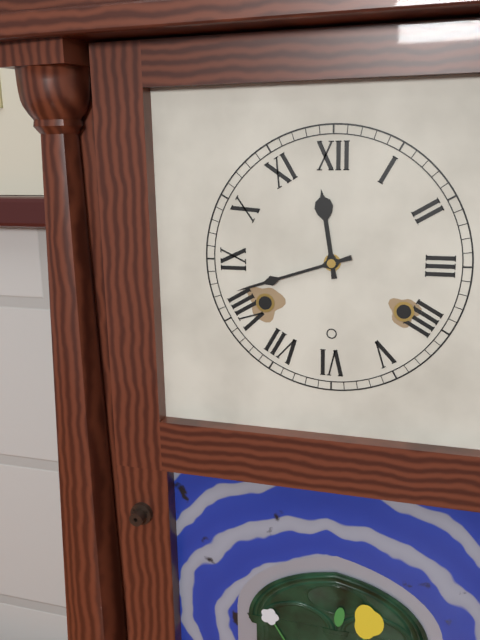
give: {"hour": 11, "minute": 42}
